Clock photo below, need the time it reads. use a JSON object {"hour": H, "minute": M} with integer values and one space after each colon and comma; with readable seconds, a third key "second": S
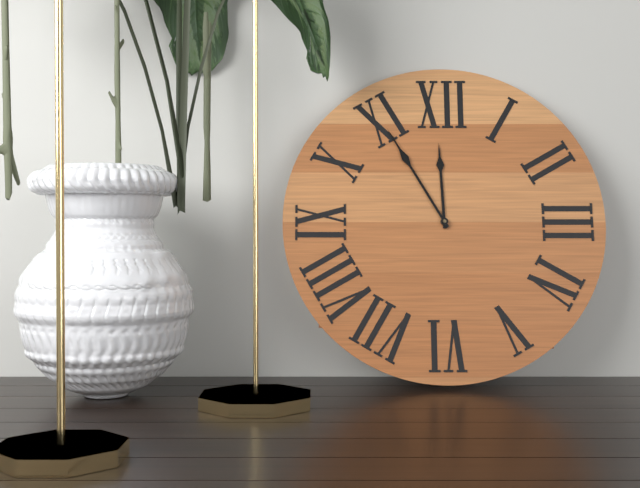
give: {"hour": 11, "minute": 55}
